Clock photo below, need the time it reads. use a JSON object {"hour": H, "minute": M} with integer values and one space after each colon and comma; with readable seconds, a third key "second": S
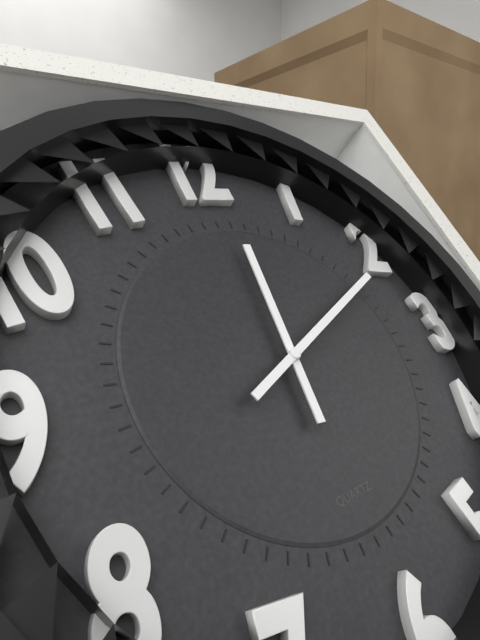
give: {"hour": 12, "minute": 11}
